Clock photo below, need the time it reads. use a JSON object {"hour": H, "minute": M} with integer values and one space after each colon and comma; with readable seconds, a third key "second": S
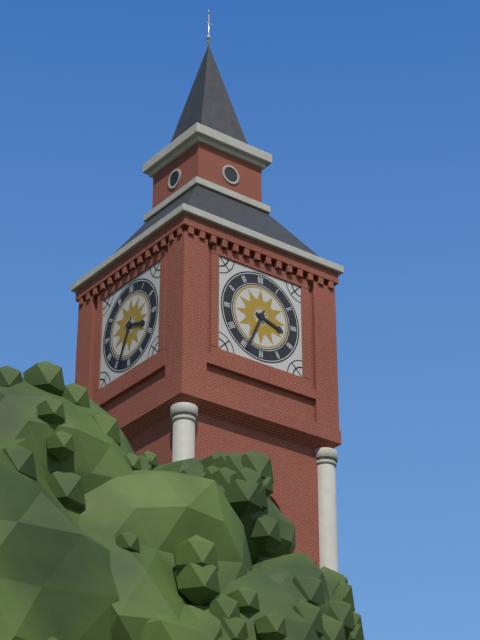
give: {"hour": 3, "minute": 34}
